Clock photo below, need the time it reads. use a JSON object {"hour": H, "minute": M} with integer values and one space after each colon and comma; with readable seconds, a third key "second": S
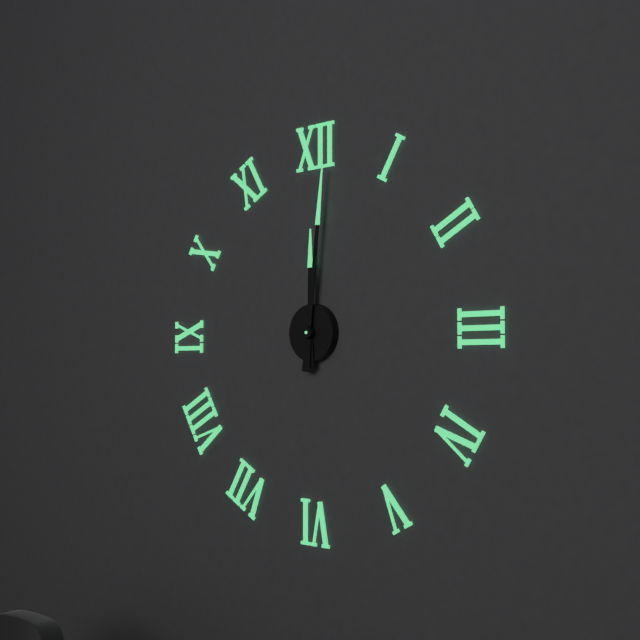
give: {"hour": 12, "minute": 1}
